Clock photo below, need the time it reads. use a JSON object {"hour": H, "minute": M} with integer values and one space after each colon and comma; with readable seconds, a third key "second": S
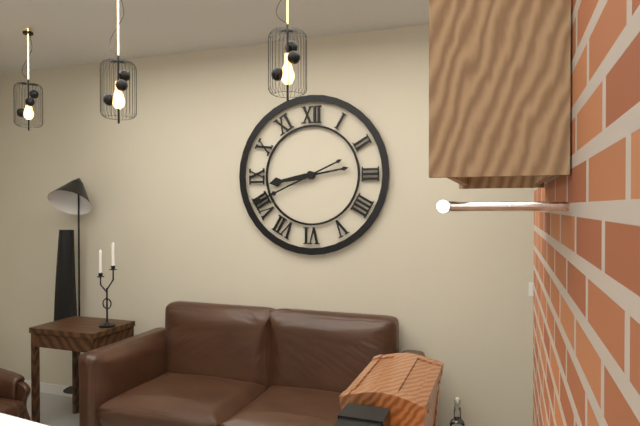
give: {"hour": 8, "minute": 41}
